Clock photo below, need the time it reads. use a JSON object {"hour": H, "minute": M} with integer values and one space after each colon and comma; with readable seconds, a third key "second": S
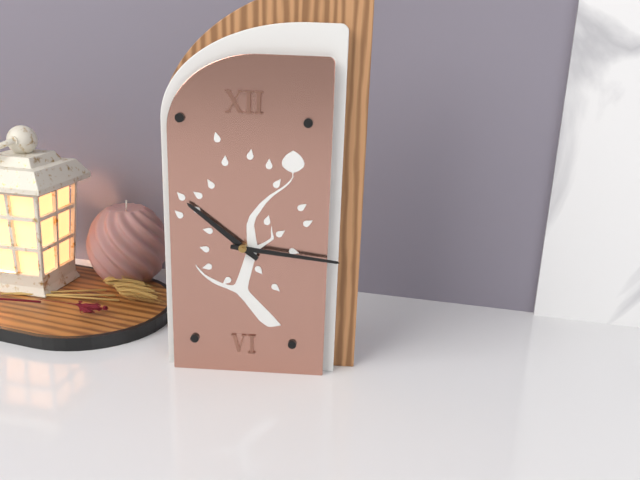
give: {"hour": 10, "minute": 16}
